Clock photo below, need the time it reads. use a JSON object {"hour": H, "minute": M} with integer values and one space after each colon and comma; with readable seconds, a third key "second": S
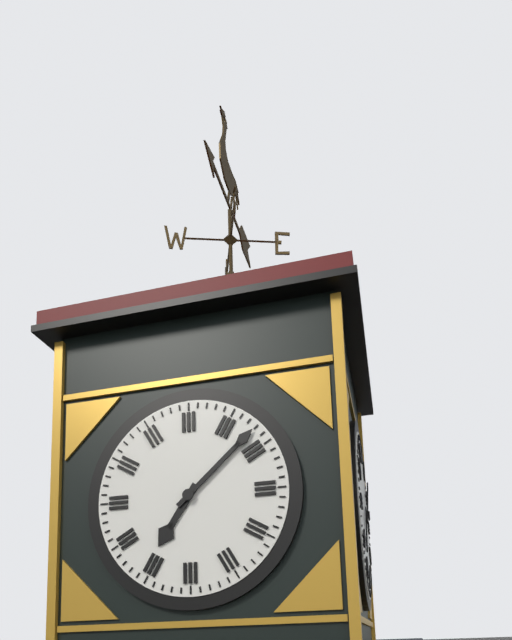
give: {"hour": 7, "minute": 8}
